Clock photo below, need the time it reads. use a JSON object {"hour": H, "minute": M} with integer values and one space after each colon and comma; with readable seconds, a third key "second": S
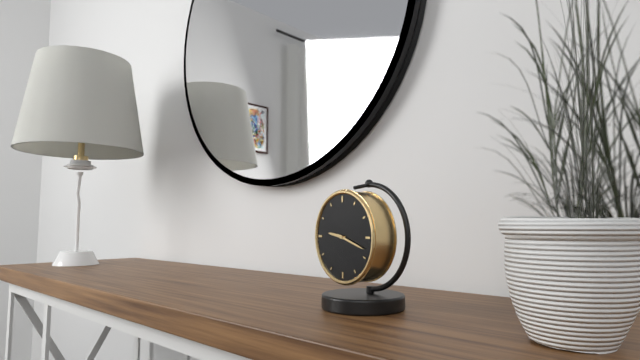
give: {"hour": 9, "minute": 18}
